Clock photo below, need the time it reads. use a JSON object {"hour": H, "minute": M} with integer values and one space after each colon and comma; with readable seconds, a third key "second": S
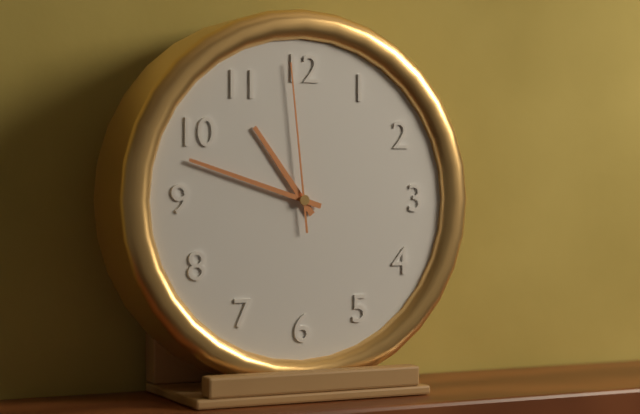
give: {"hour": 10, "minute": 48, "second": 59}
